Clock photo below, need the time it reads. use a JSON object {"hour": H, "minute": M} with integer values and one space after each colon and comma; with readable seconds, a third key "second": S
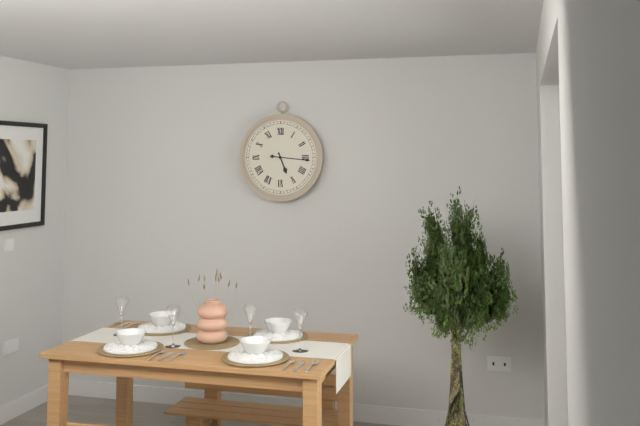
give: {"hour": 5, "minute": 16}
